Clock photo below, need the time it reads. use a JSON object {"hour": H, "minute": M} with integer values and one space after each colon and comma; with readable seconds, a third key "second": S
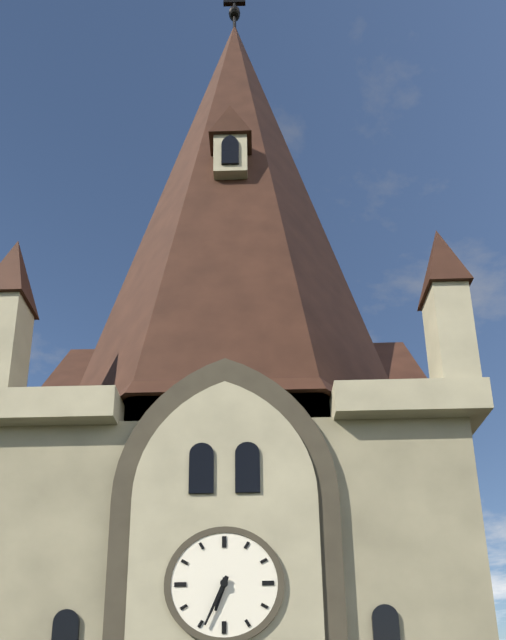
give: {"hour": 6, "minute": 34}
